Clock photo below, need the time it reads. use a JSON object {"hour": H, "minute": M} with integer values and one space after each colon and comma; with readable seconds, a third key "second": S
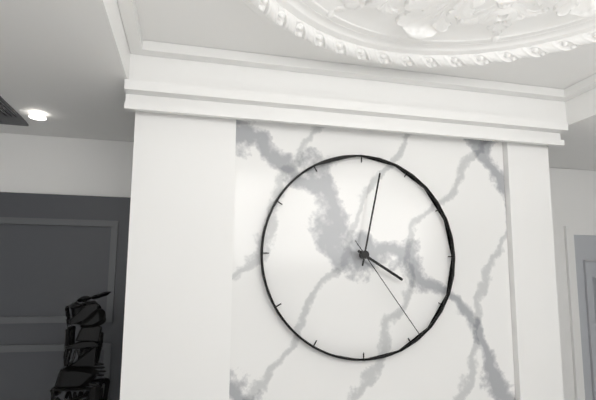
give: {"hour": 4, "minute": 2, "second": 24}
